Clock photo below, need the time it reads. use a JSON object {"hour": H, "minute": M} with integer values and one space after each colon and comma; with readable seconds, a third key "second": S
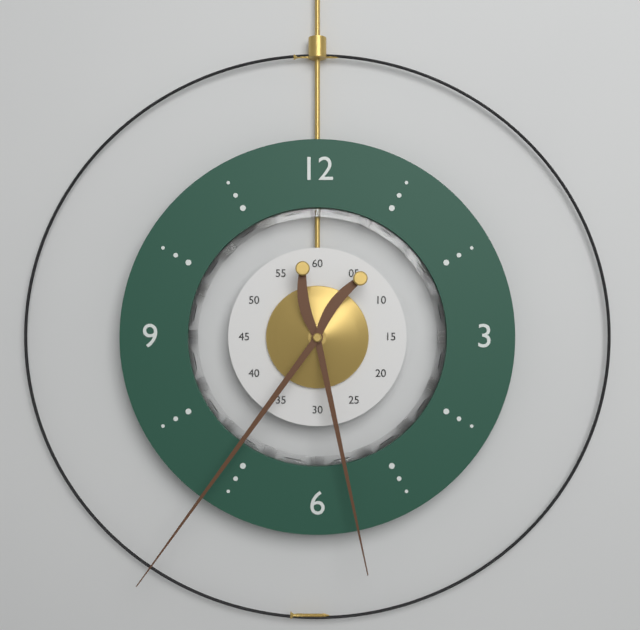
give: {"hour": 5, "minute": 36}
